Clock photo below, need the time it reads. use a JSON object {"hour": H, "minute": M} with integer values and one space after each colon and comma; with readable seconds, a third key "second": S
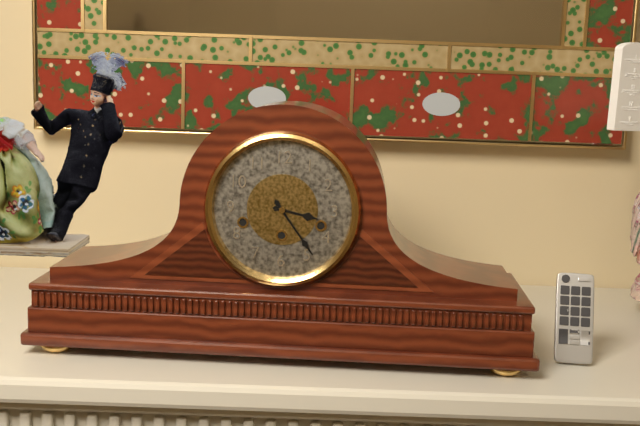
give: {"hour": 3, "minute": 24}
